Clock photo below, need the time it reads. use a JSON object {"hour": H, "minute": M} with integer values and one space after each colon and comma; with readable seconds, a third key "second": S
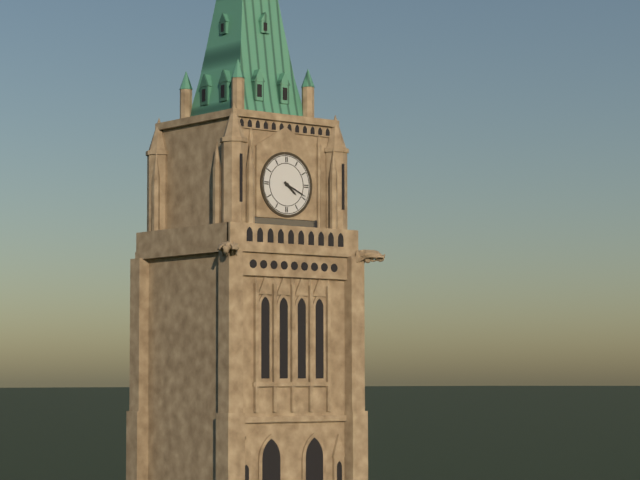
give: {"hour": 4, "minute": 19}
